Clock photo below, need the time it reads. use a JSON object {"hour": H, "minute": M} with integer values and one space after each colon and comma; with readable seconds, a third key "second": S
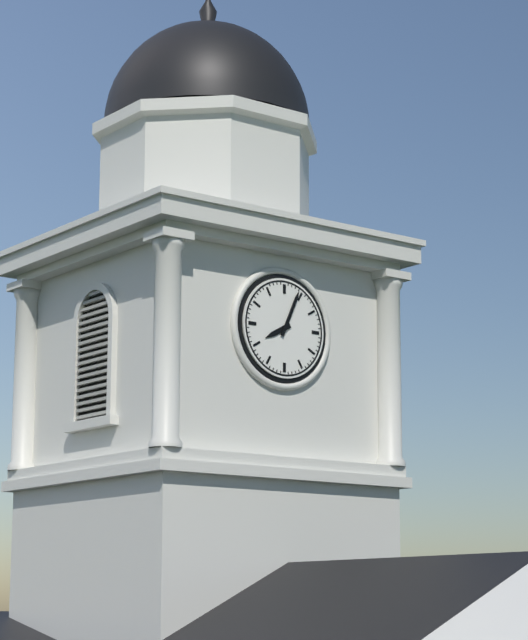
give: {"hour": 8, "minute": 4}
